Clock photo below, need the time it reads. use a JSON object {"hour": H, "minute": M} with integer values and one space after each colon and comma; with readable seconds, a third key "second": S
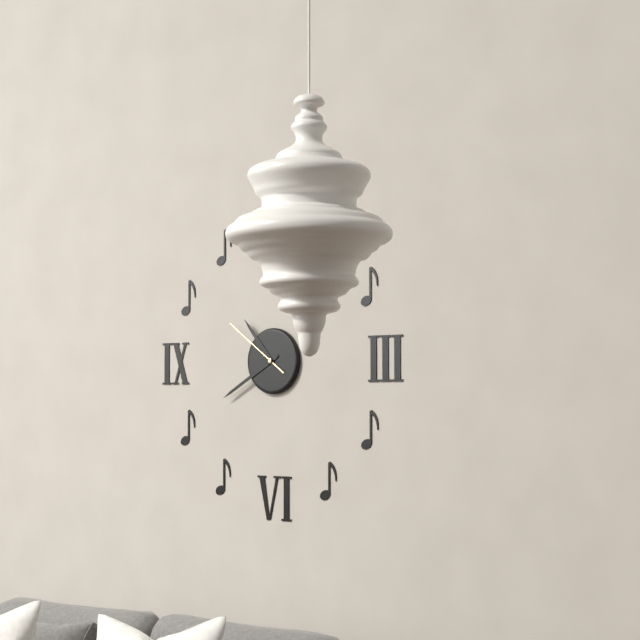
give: {"hour": 10, "minute": 40, "second": 51}
